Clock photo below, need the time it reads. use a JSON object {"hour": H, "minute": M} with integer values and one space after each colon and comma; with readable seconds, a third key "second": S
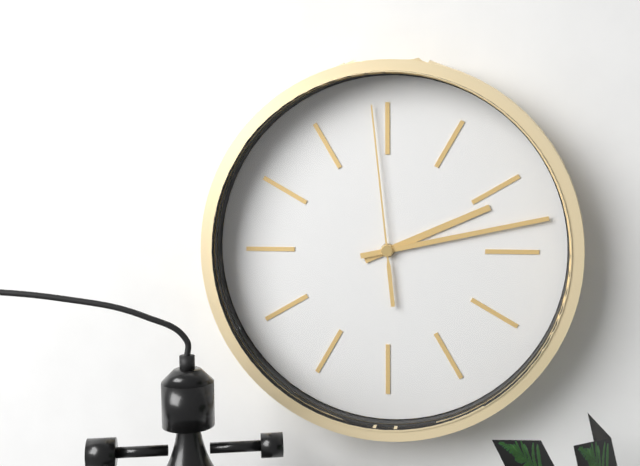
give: {"hour": 2, "minute": 13, "second": 59}
